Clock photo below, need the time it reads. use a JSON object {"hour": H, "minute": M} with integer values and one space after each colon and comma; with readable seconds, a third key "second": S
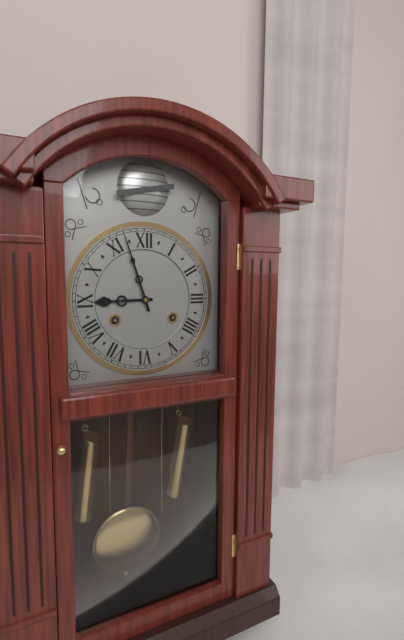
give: {"hour": 8, "minute": 57}
